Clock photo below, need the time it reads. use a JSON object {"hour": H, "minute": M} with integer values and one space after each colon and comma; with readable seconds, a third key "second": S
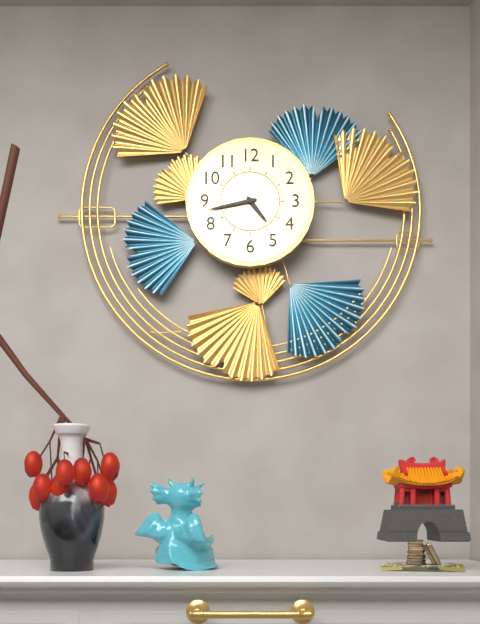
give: {"hour": 4, "minute": 43}
